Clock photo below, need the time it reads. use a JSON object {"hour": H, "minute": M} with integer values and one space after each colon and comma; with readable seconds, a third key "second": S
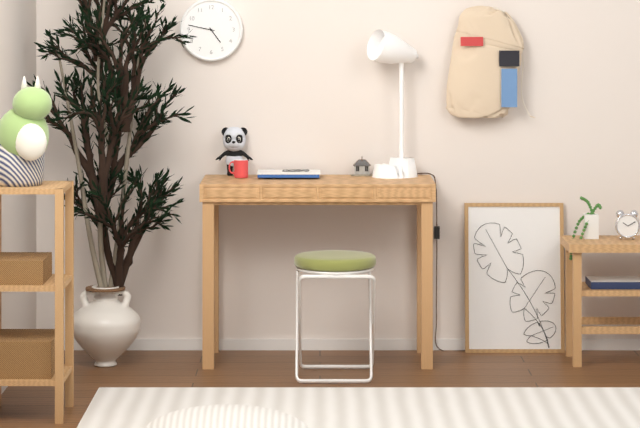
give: {"hour": 4, "minute": 47}
